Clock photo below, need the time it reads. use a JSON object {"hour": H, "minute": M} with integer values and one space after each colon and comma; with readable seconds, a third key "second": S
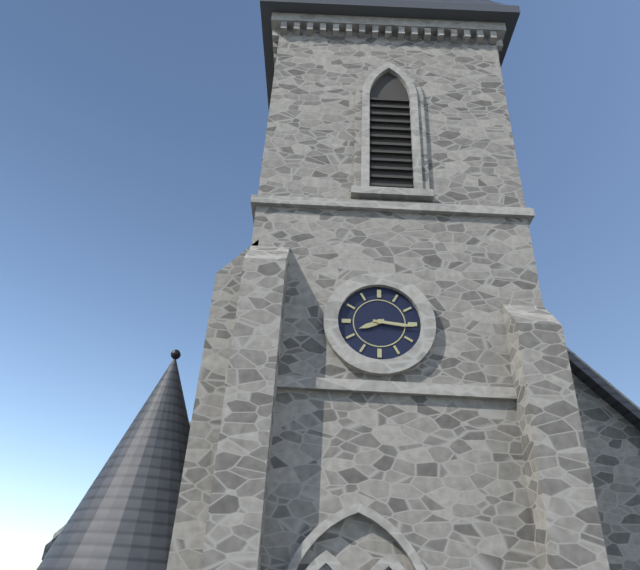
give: {"hour": 8, "minute": 16}
